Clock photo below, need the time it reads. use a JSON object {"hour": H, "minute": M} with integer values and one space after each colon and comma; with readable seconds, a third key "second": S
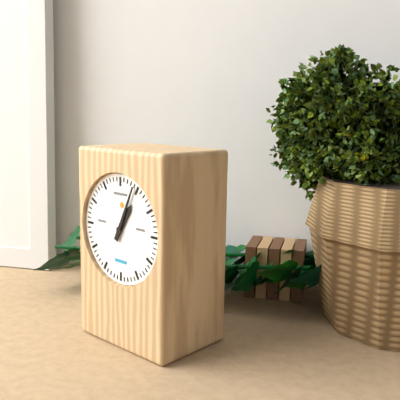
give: {"hour": 1, "minute": 4}
